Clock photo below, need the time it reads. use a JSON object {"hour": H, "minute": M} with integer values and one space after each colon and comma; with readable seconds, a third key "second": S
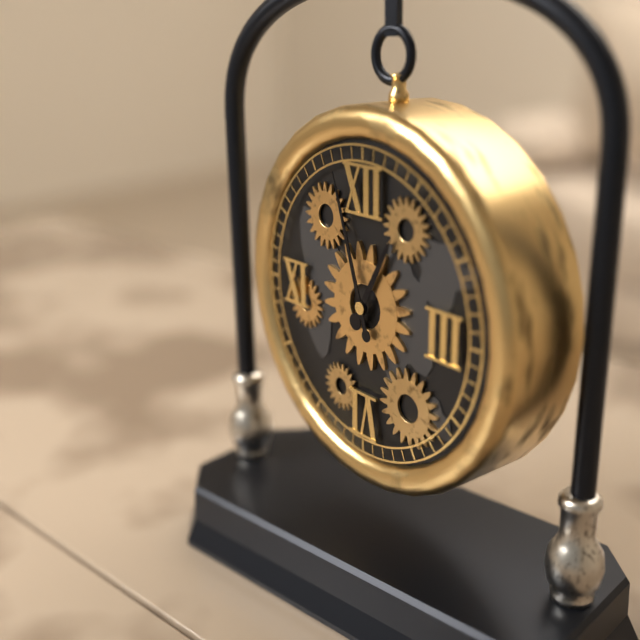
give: {"hour": 12, "minute": 57}
